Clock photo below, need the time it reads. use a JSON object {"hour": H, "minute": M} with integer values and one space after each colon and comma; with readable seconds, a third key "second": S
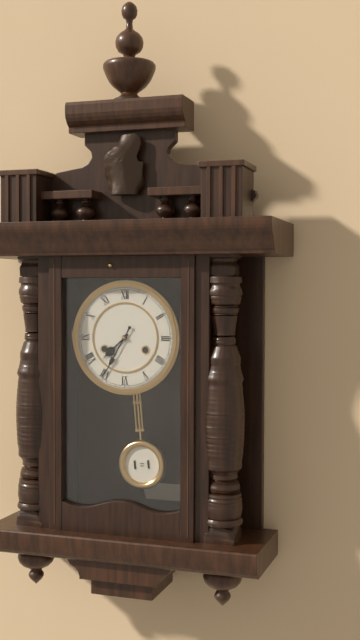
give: {"hour": 7, "minute": 35}
